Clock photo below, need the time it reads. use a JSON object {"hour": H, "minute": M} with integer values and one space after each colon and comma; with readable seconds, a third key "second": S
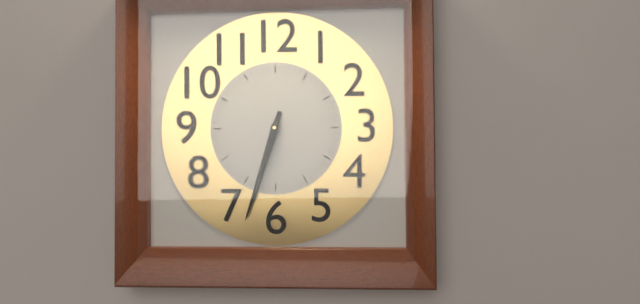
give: {"hour": 6, "minute": 33}
